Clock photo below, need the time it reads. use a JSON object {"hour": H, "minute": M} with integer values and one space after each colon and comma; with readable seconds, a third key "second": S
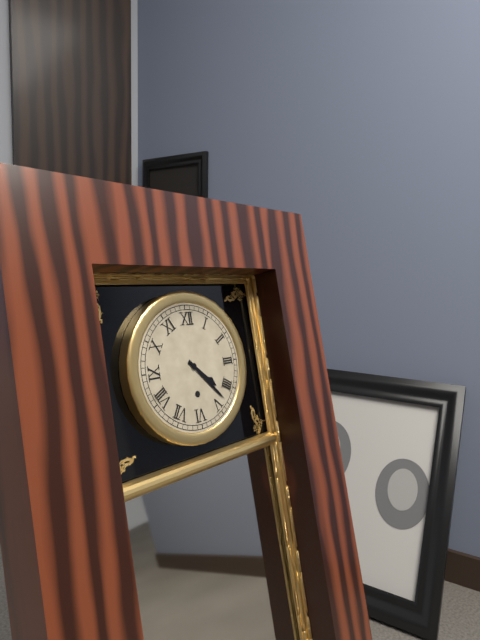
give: {"hour": 4, "minute": 23}
